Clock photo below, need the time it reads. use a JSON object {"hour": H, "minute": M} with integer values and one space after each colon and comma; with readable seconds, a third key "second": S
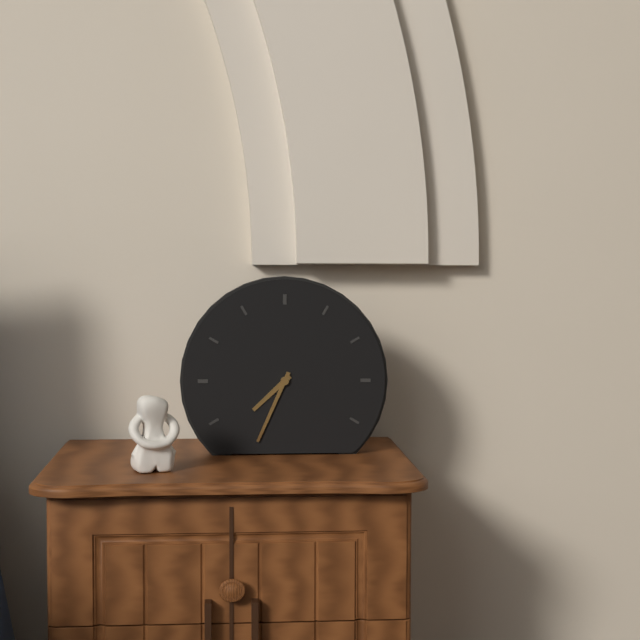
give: {"hour": 7, "minute": 34}
